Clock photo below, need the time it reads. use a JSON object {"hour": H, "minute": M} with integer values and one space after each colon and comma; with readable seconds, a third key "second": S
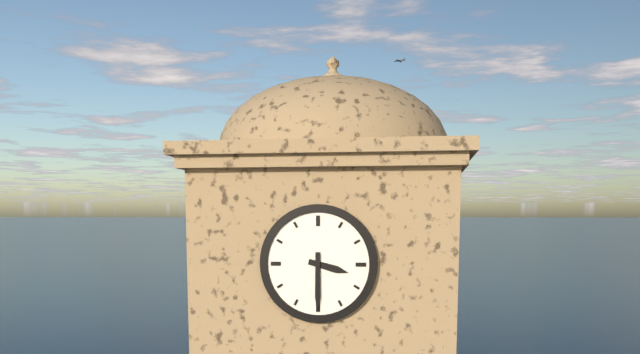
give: {"hour": 3, "minute": 30}
